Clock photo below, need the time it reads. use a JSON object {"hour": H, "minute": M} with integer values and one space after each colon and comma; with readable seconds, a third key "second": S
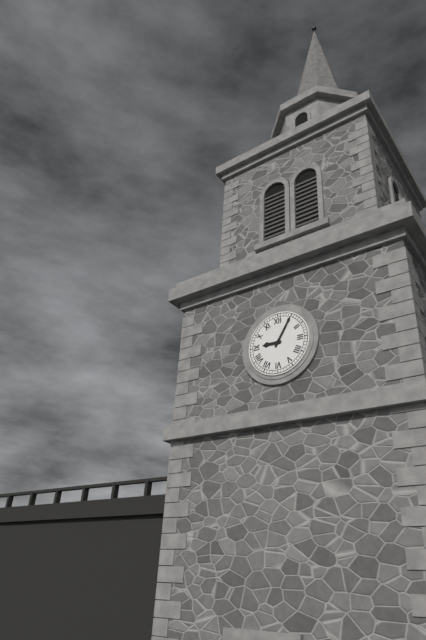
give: {"hour": 9, "minute": 5}
